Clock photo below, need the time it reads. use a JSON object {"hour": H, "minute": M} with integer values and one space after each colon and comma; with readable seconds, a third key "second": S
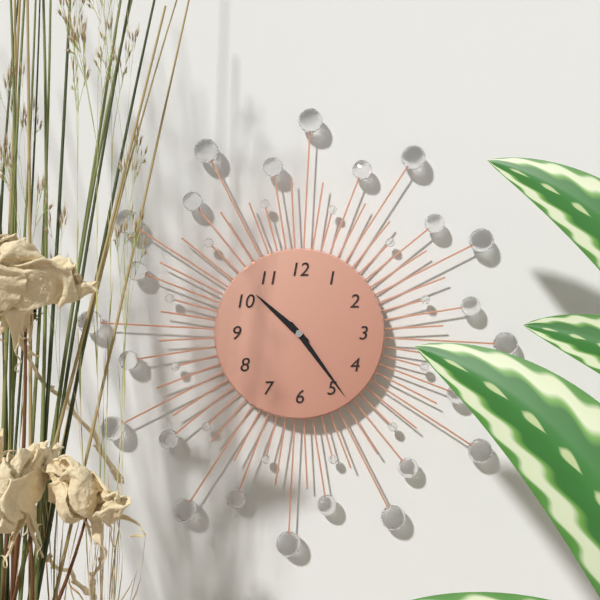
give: {"hour": 10, "minute": 24}
